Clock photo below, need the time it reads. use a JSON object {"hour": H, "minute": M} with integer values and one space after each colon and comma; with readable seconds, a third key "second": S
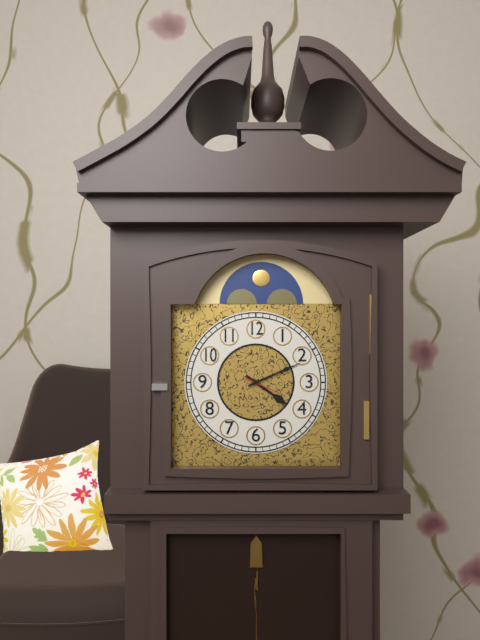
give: {"hour": 4, "minute": 11}
